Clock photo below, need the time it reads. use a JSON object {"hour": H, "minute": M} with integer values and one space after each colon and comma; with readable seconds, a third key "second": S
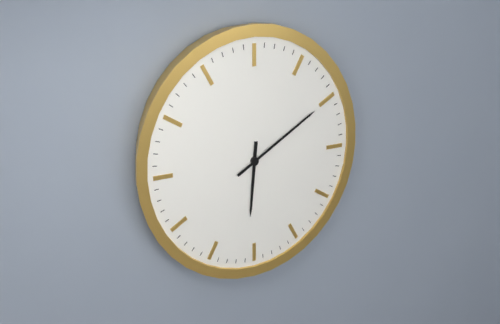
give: {"hour": 6, "minute": 10}
